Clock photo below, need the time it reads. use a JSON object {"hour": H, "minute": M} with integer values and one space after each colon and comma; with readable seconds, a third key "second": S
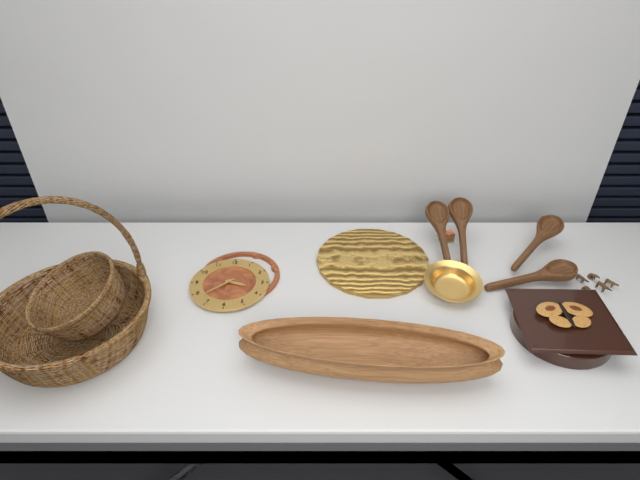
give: {"hour": 3, "minute": 38}
